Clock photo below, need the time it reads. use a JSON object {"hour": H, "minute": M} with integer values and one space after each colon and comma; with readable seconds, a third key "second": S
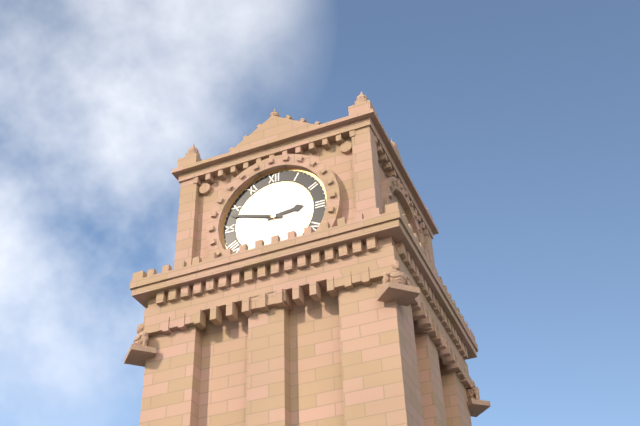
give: {"hour": 2, "minute": 48}
